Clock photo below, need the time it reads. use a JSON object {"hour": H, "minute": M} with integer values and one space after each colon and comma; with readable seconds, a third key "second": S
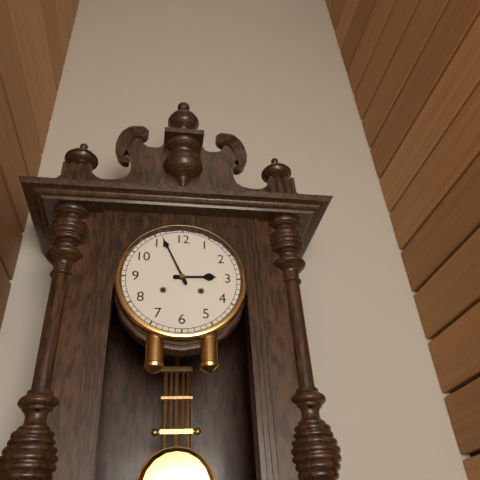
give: {"hour": 2, "minute": 56}
